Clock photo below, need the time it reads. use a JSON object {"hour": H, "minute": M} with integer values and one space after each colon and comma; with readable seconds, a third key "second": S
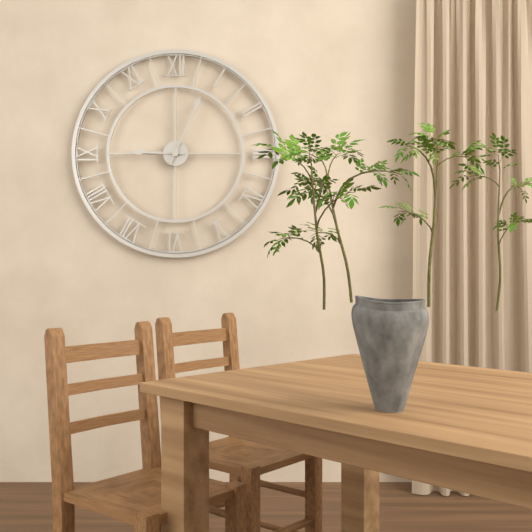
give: {"hour": 9, "minute": 4}
